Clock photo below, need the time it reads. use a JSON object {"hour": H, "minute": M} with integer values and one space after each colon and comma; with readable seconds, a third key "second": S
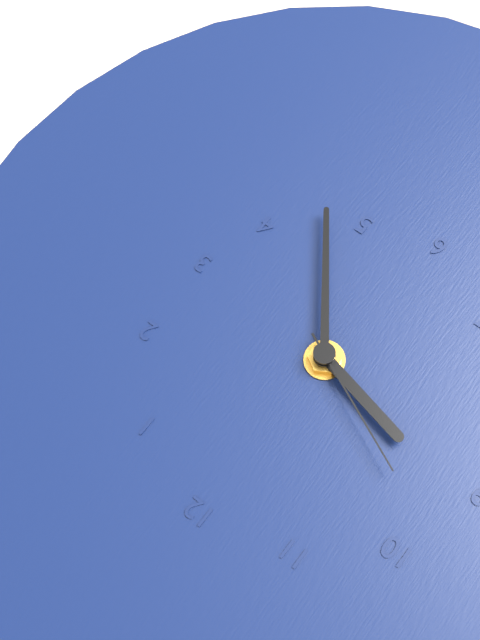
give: {"hour": 9, "minute": 24, "second": 49}
